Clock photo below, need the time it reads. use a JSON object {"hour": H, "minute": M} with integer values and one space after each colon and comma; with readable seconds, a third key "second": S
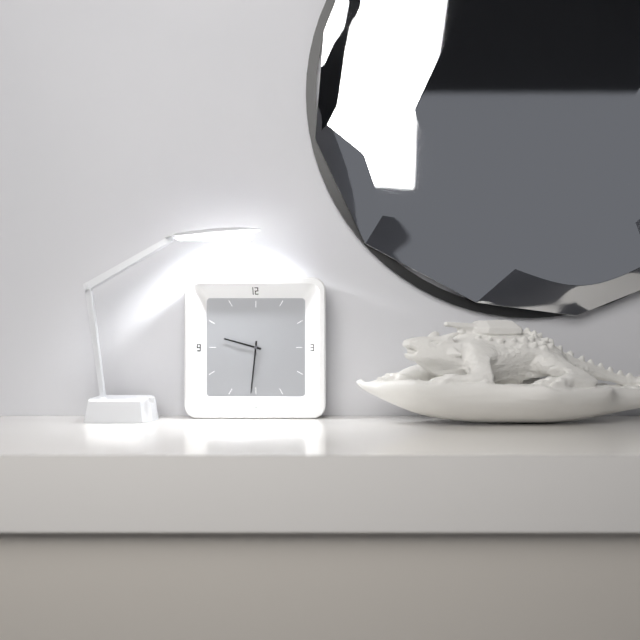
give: {"hour": 9, "minute": 31}
